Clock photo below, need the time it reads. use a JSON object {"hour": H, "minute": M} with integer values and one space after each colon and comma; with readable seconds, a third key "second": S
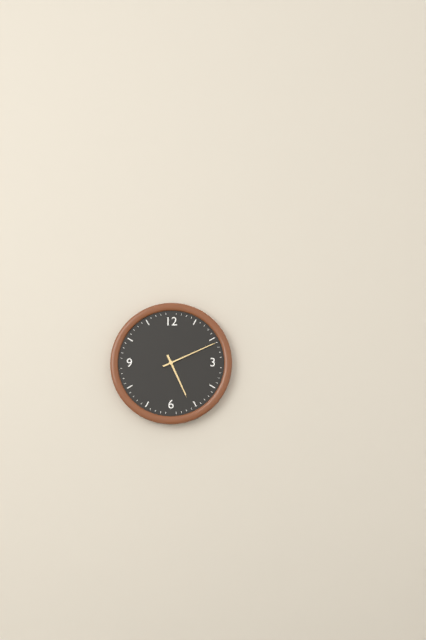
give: {"hour": 5, "minute": 11}
